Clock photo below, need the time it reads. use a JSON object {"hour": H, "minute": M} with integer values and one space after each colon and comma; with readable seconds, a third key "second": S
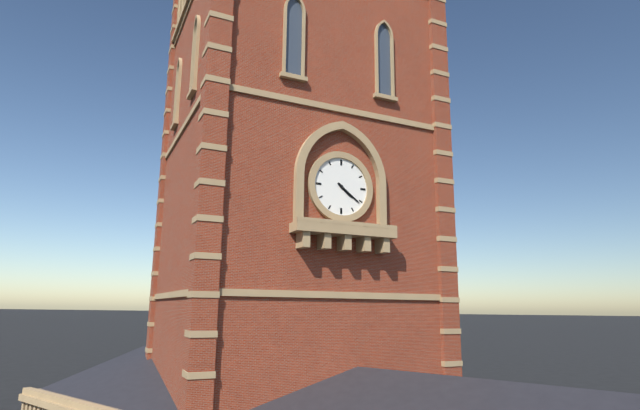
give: {"hour": 4, "minute": 21}
